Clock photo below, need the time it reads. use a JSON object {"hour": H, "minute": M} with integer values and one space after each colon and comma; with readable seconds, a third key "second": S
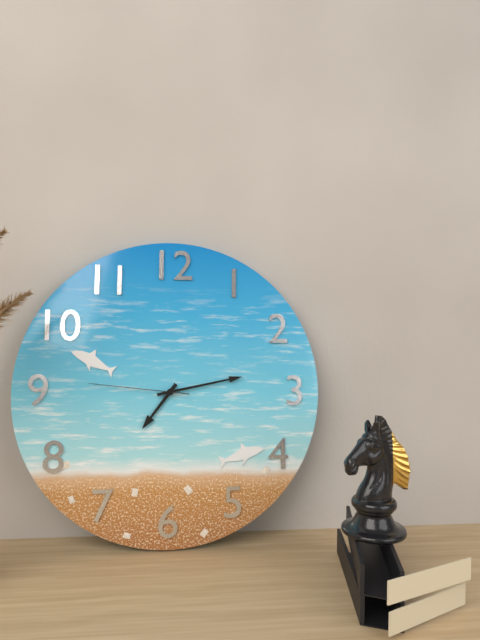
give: {"hour": 7, "minute": 13, "second": 46}
